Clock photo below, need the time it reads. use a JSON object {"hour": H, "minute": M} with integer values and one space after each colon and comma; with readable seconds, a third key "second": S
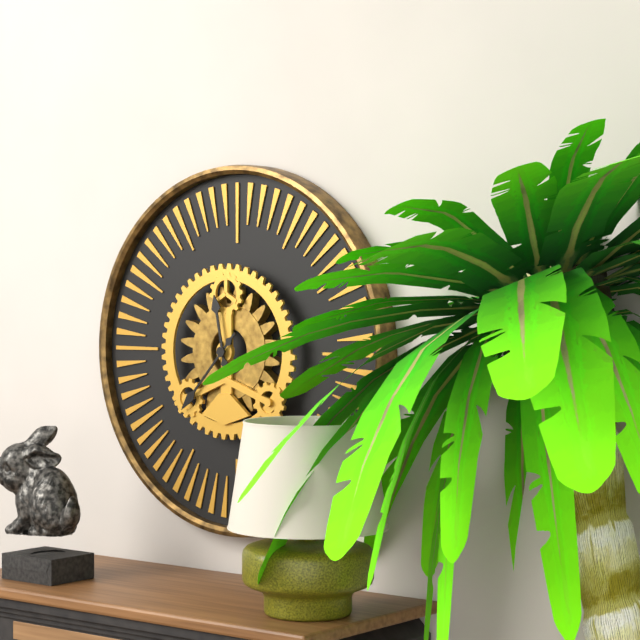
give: {"hour": 11, "minute": 37}
